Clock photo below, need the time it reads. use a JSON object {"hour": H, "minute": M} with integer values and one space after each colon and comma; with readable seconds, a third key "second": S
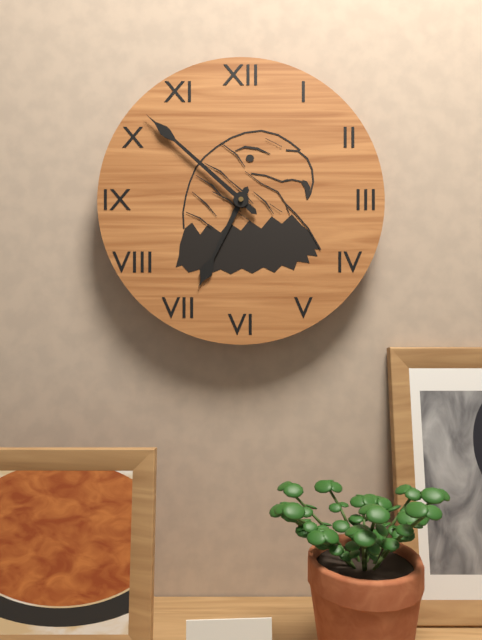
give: {"hour": 6, "minute": 52}
